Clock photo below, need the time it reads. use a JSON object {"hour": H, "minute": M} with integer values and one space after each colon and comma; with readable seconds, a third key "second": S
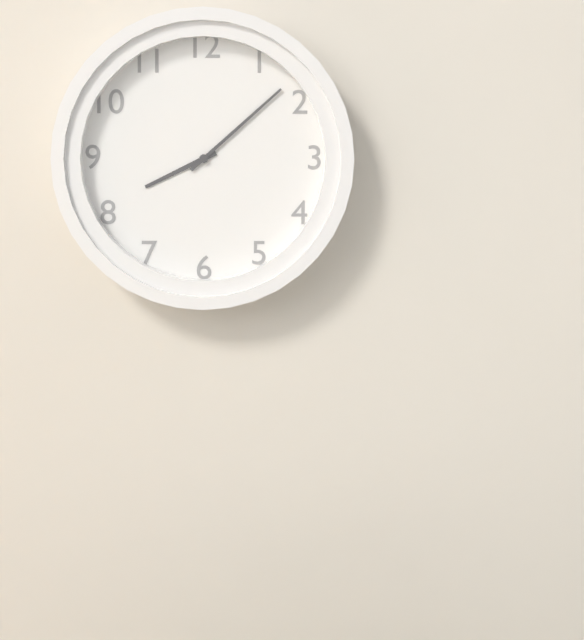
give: {"hour": 8, "minute": 8}
